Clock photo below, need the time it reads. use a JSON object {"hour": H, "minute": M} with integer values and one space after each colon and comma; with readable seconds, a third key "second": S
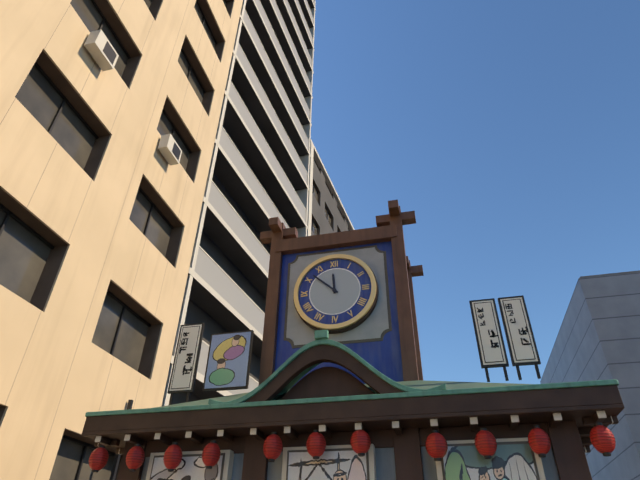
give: {"hour": 11, "minute": 52}
